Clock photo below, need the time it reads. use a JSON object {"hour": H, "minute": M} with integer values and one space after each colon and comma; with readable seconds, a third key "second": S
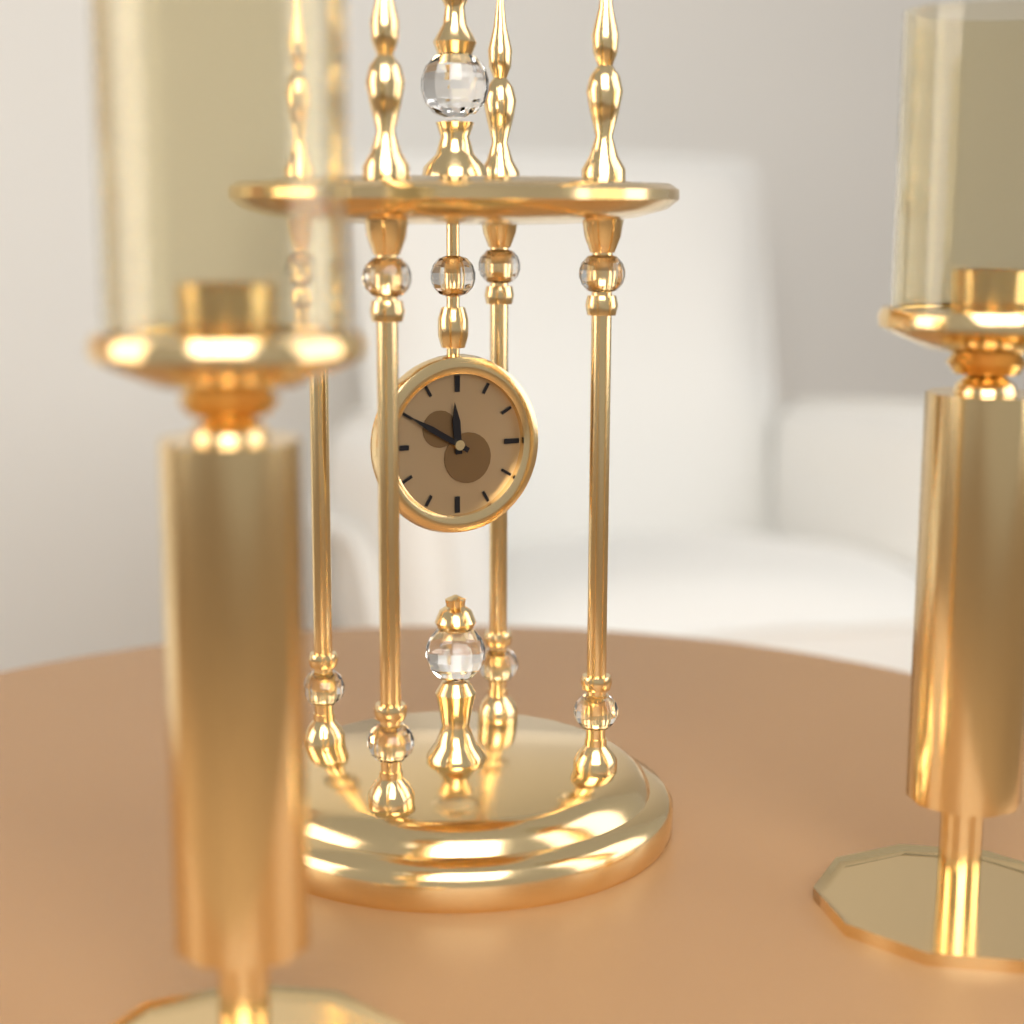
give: {"hour": 11, "minute": 50}
